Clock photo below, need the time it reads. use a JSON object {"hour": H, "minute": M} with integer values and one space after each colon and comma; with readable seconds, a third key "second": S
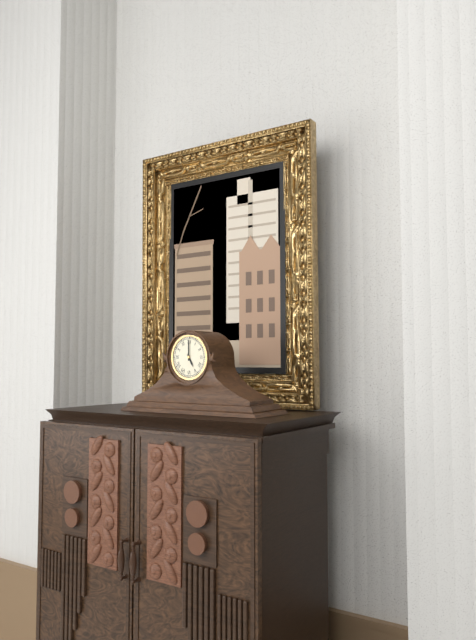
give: {"hour": 5, "minute": 0}
